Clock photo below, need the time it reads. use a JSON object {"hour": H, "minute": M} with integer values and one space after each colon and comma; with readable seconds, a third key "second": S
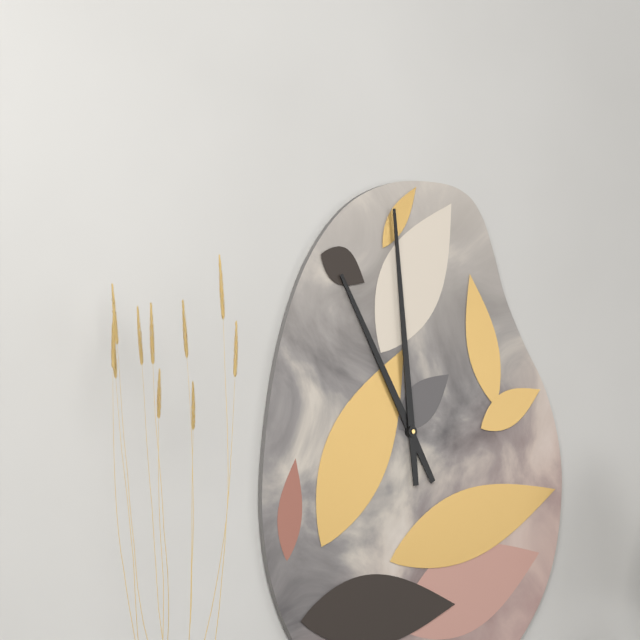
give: {"hour": 10, "minute": 59}
